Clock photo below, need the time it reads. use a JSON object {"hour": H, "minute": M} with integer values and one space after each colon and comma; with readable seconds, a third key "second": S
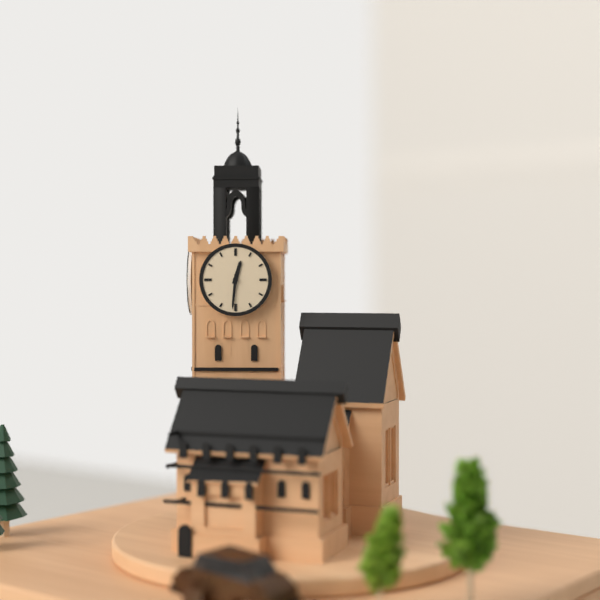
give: {"hour": 12, "minute": 31}
